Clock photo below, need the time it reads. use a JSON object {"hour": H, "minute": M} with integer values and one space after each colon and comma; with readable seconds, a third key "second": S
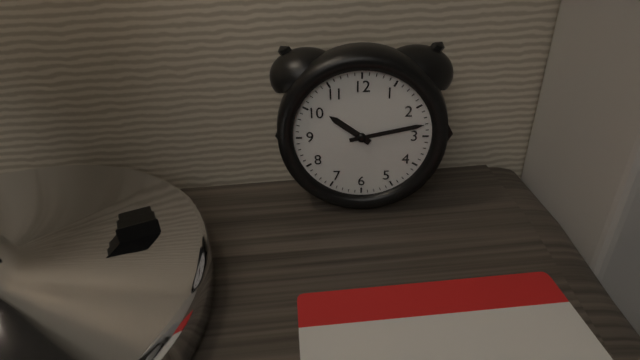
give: {"hour": 10, "minute": 13}
